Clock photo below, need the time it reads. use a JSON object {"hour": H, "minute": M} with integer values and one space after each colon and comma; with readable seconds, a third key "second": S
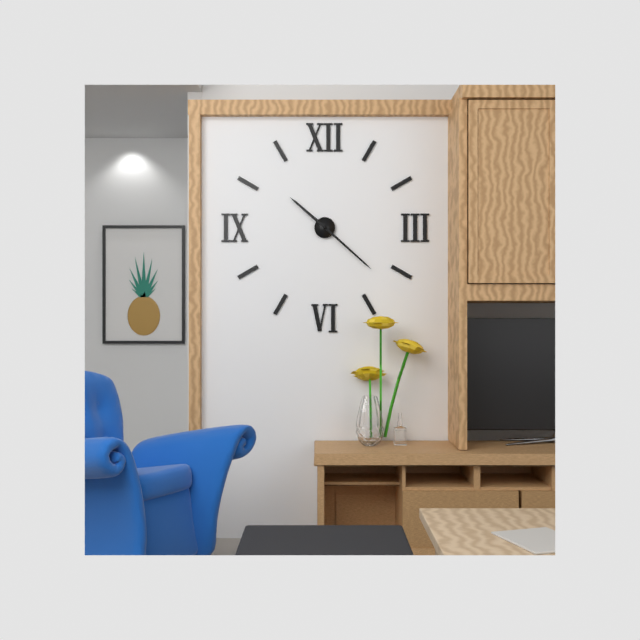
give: {"hour": 10, "minute": 22}
